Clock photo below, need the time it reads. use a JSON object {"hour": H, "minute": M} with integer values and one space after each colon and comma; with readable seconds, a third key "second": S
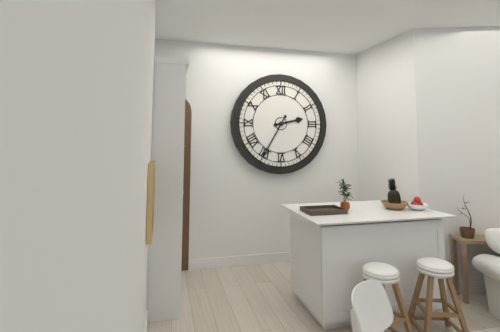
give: {"hour": 2, "minute": 35}
